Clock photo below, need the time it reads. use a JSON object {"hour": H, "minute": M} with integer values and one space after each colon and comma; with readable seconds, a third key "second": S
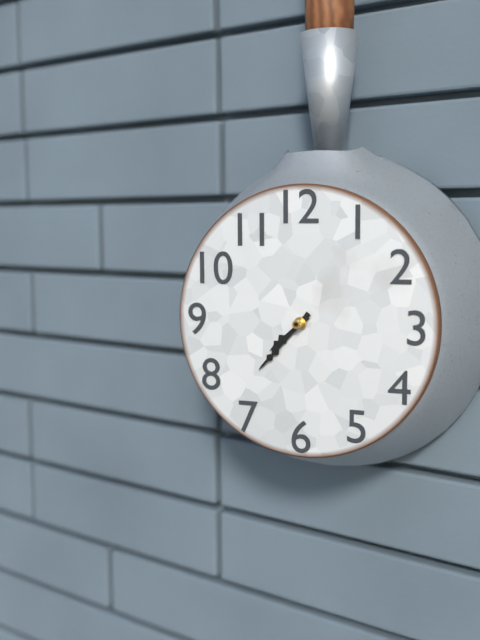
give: {"hour": 7, "minute": 37}
